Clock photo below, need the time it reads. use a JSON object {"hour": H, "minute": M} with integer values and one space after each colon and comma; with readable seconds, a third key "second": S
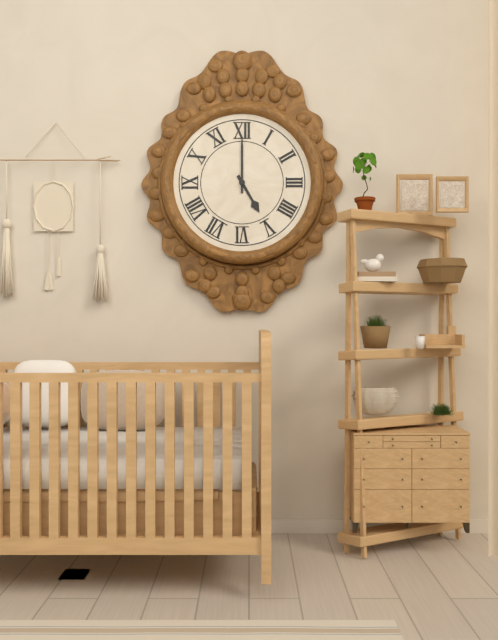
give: {"hour": 5, "minute": 0}
